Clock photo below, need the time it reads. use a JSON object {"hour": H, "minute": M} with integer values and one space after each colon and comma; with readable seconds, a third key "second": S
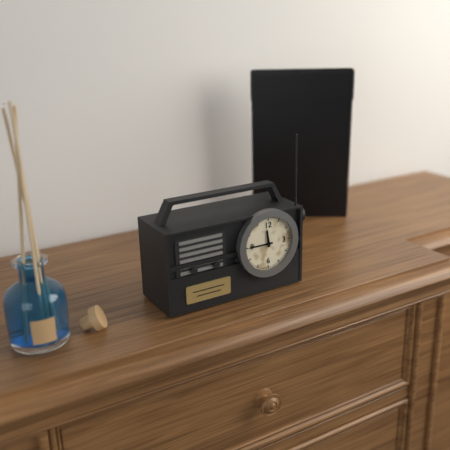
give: {"hour": 11, "minute": 45}
